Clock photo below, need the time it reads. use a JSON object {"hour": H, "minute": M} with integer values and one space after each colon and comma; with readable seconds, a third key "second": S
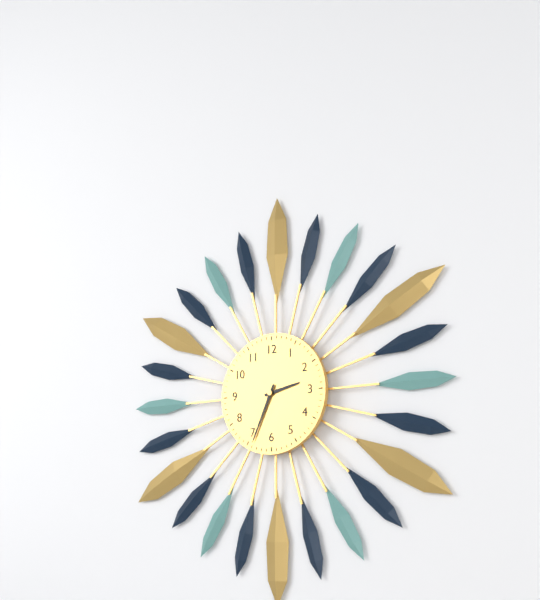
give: {"hour": 2, "minute": 34}
